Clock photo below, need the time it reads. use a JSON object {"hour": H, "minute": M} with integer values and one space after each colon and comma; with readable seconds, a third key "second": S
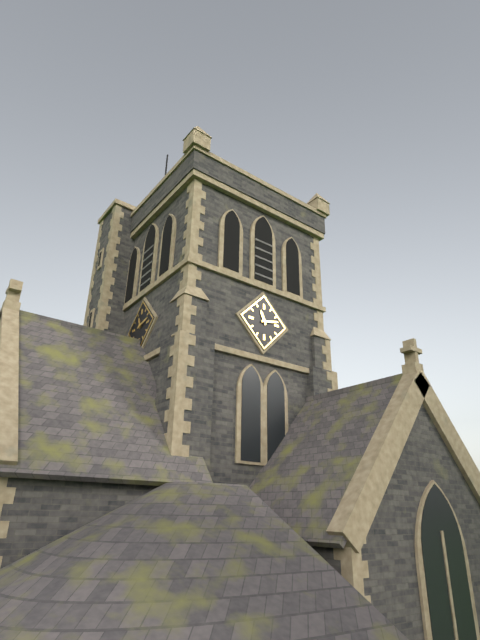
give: {"hour": 11, "minute": 13}
